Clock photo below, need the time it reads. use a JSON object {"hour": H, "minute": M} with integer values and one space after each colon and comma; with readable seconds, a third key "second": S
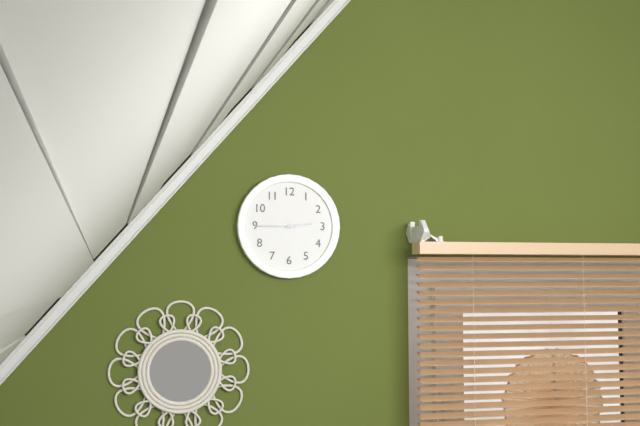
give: {"hour": 2, "minute": 45}
